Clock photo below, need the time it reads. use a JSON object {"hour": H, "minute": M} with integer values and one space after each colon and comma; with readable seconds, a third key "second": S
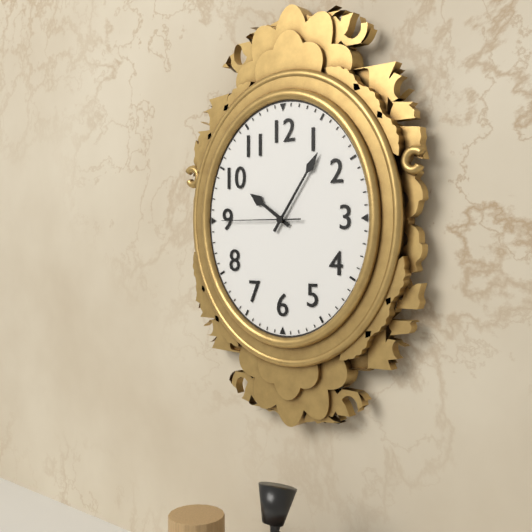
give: {"hour": 10, "minute": 6, "second": 45}
